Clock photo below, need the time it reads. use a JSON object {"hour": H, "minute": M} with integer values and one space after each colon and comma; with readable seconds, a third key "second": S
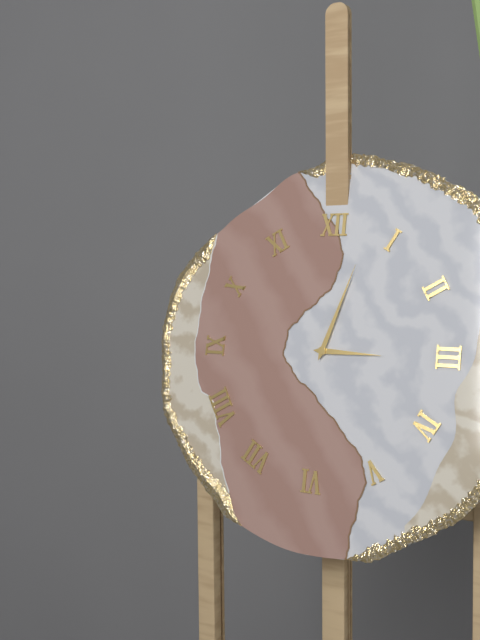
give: {"hour": 3, "minute": 3}
